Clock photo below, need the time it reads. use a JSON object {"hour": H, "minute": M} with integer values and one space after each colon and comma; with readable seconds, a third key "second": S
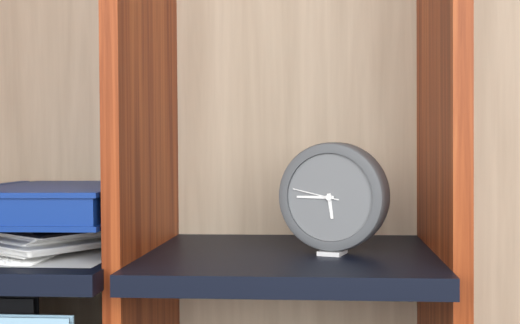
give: {"hour": 5, "minute": 45}
